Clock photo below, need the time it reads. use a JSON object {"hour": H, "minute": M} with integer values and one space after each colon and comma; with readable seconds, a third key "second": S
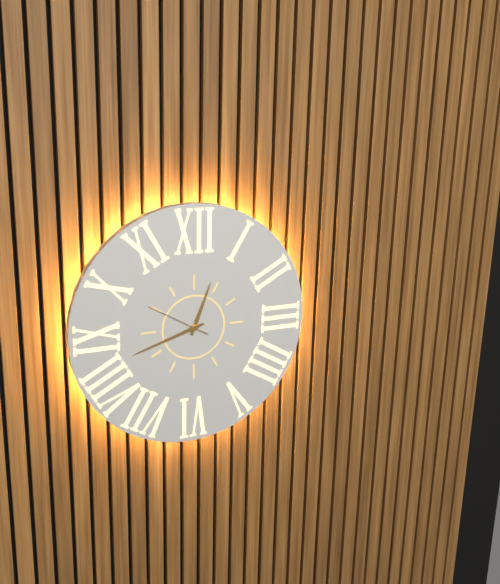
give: {"hour": 12, "minute": 42, "second": 50}
